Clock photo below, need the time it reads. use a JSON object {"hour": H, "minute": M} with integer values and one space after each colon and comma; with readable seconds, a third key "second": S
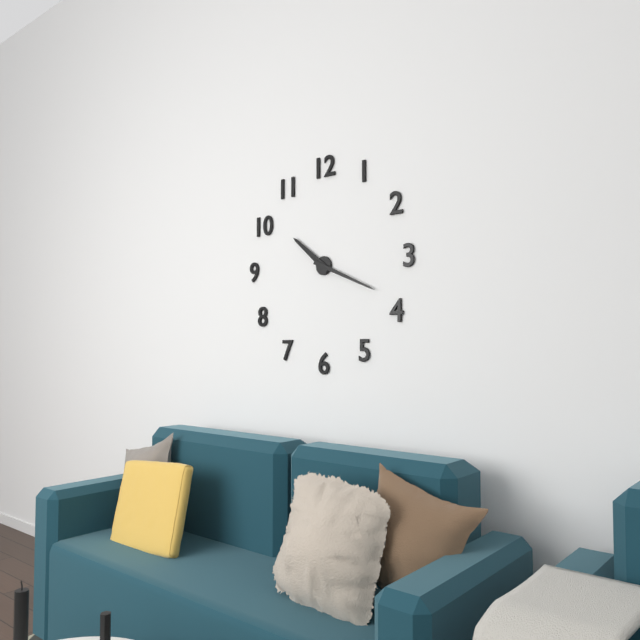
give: {"hour": 10, "minute": 19}
